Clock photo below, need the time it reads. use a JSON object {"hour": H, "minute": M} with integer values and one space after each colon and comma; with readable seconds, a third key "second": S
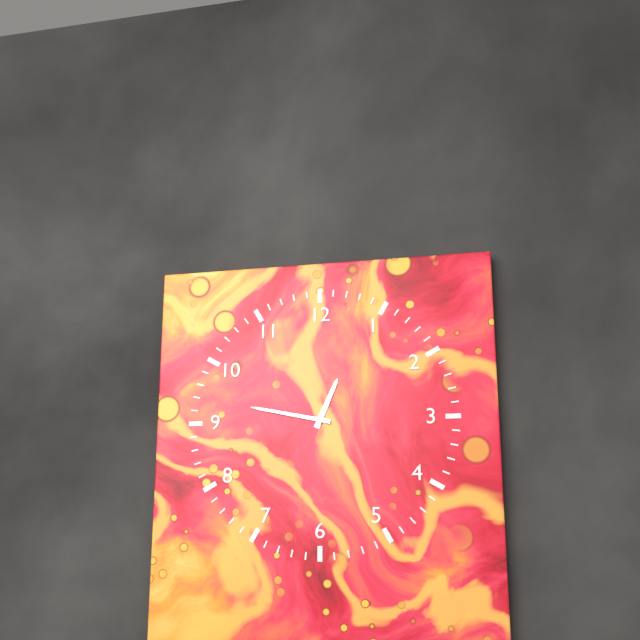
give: {"hour": 12, "minute": 47}
